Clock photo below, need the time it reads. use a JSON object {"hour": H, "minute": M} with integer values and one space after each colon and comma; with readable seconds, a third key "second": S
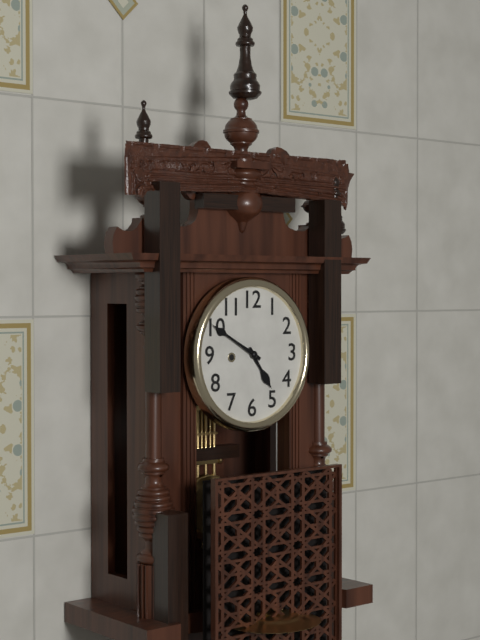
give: {"hour": 4, "minute": 50}
